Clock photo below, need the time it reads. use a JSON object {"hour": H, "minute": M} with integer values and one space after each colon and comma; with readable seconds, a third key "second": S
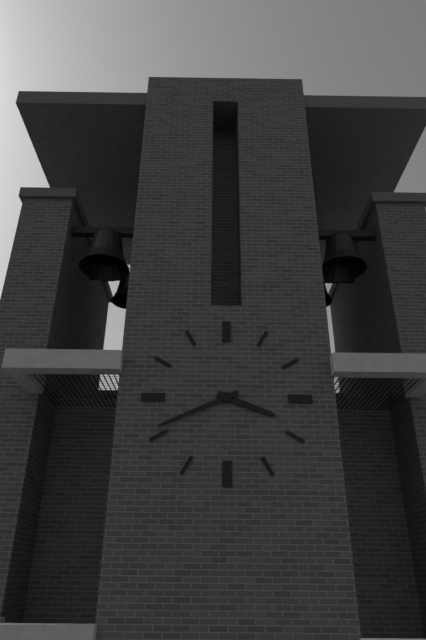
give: {"hour": 3, "minute": 41}
